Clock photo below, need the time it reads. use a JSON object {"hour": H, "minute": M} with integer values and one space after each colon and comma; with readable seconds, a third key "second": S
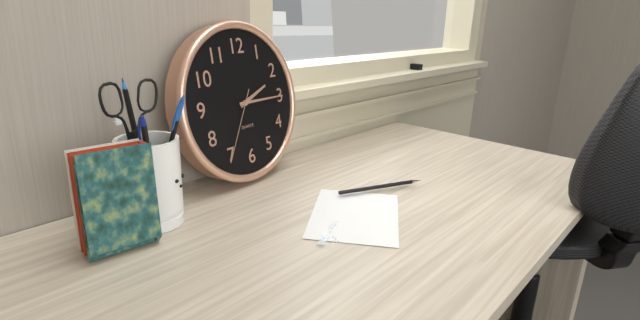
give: {"hour": 2, "minute": 15, "second": 35}
